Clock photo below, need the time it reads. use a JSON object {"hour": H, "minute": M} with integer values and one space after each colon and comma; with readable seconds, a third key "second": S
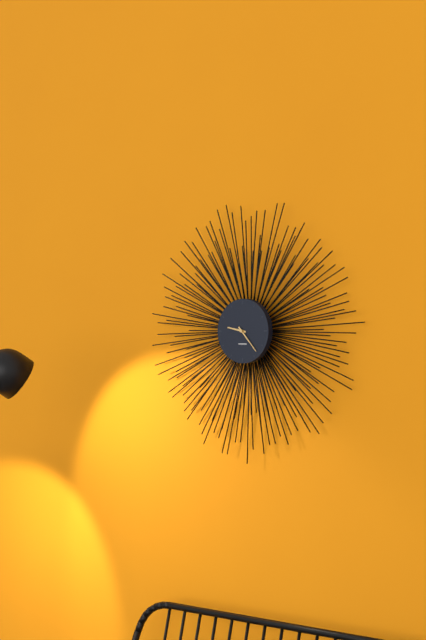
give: {"hour": 9, "minute": 23}
